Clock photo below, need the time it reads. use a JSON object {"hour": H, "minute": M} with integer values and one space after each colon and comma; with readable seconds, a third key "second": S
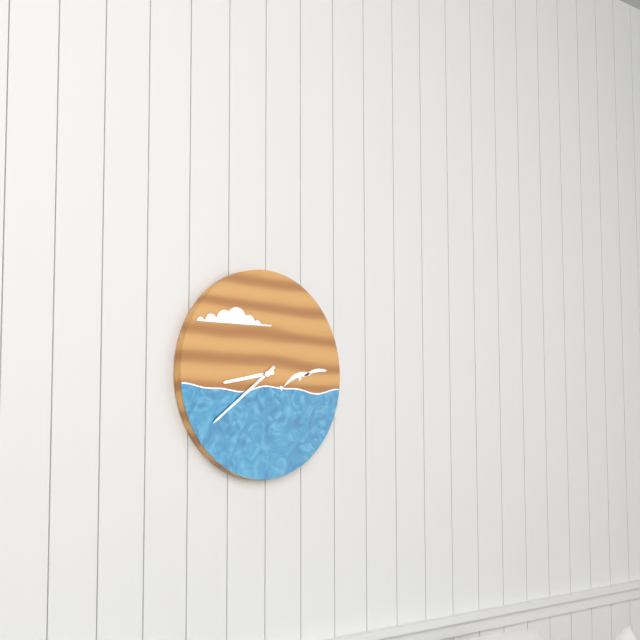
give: {"hour": 8, "minute": 39}
